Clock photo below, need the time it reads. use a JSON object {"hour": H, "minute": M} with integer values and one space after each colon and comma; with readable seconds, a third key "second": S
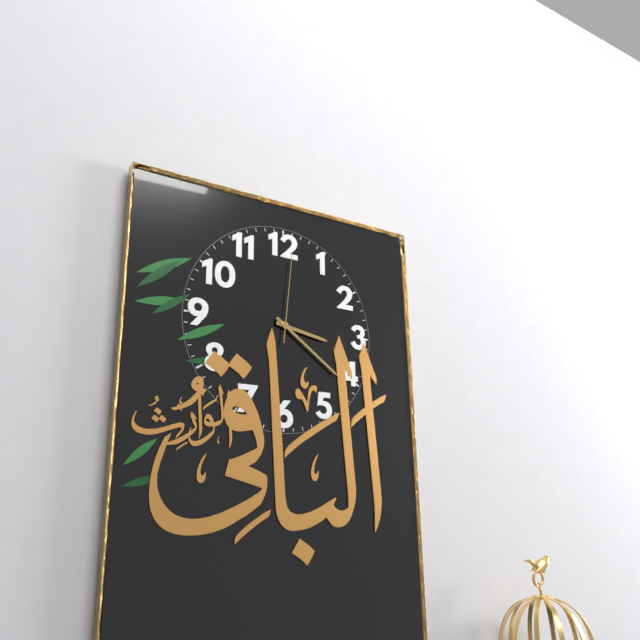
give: {"hour": 3, "minute": 21, "second": 1}
